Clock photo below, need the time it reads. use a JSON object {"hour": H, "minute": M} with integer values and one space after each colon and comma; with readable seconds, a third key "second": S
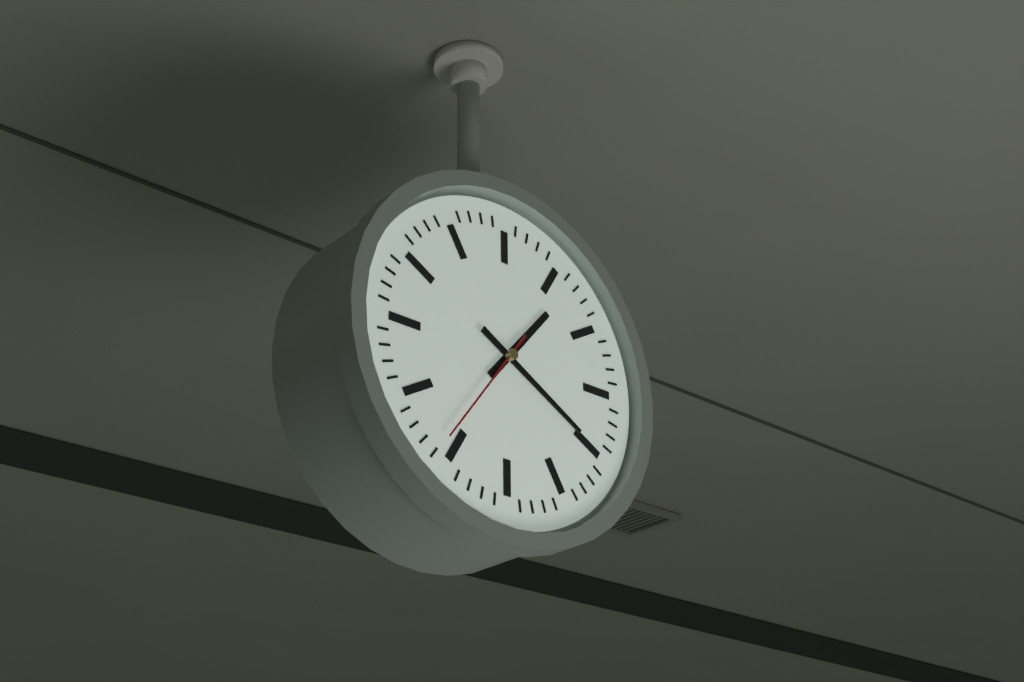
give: {"hour": 1, "minute": 20, "second": 36}
